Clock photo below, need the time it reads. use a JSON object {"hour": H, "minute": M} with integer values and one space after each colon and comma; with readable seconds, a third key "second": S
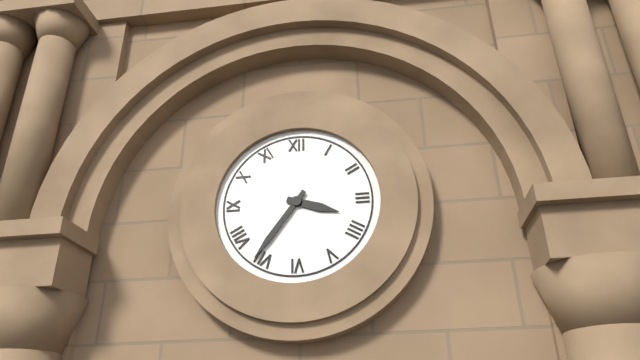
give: {"hour": 3, "minute": 36}
